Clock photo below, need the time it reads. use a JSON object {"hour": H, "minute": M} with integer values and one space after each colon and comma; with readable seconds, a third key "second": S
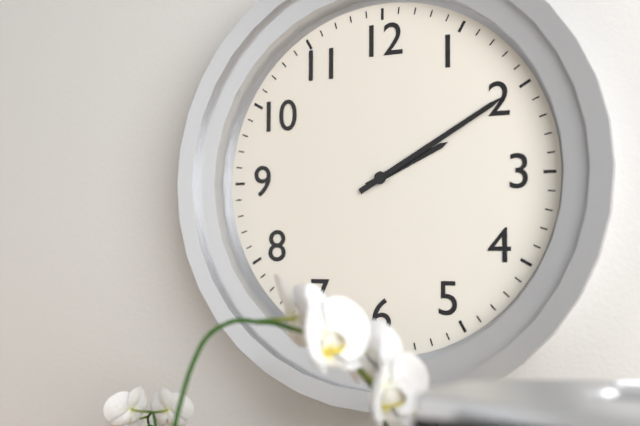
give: {"hour": 2, "minute": 10}
